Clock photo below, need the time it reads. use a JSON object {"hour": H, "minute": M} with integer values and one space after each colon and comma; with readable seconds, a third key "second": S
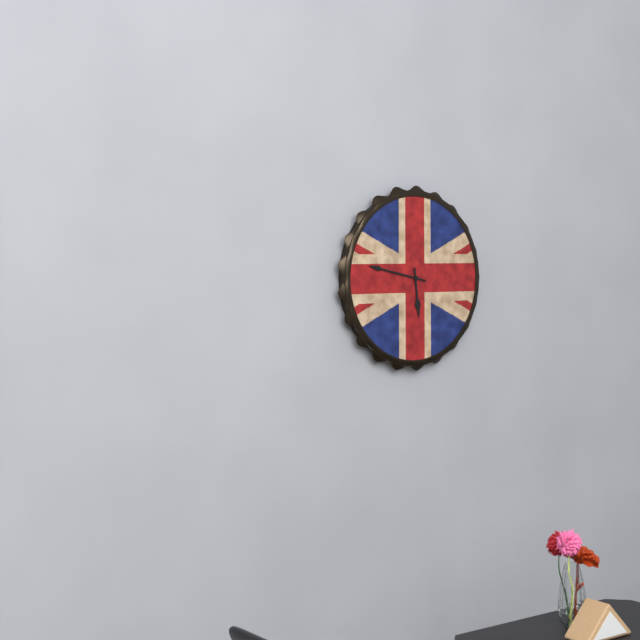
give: {"hour": 5, "minute": 47}
